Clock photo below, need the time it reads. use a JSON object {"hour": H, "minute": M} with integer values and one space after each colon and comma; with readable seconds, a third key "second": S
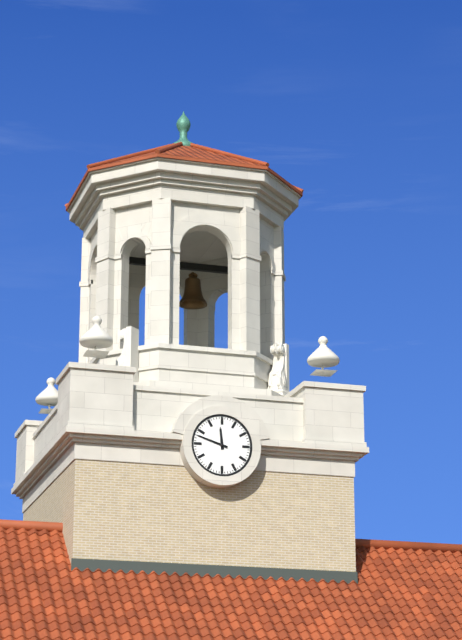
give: {"hour": 11, "minute": 48}
